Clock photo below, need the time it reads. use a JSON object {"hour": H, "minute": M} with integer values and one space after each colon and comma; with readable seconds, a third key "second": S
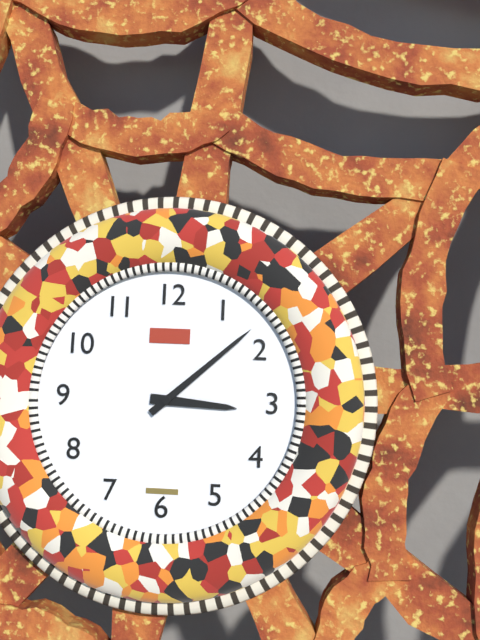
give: {"hour": 3, "minute": 8}
